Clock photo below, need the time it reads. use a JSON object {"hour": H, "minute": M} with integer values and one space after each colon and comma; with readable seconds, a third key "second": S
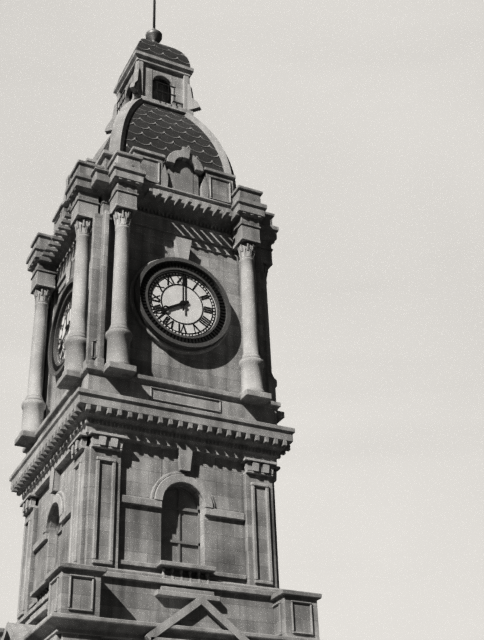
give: {"hour": 8, "minute": 0}
